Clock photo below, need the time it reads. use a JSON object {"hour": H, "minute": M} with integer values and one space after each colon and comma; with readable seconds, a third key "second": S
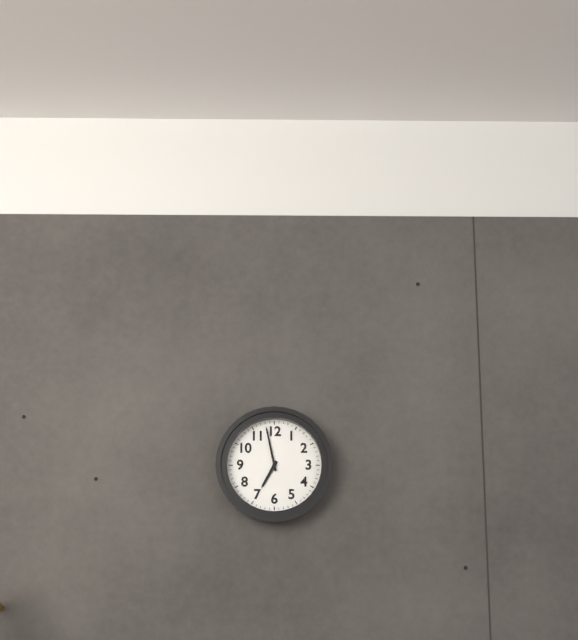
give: {"hour": 6, "minute": 58}
